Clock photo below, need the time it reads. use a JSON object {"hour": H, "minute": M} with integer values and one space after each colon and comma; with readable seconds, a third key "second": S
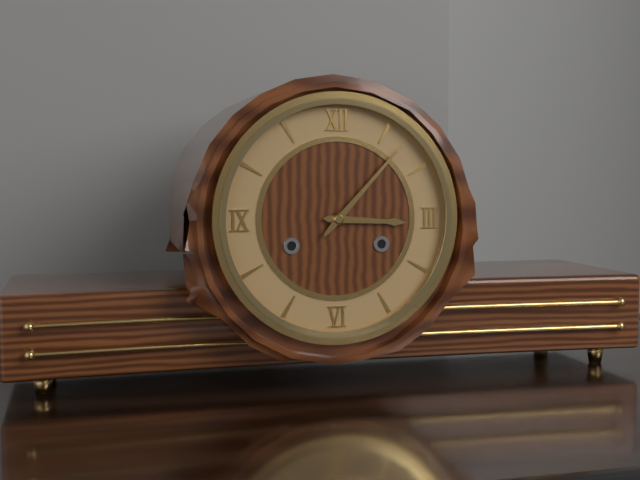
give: {"hour": 3, "minute": 7}
